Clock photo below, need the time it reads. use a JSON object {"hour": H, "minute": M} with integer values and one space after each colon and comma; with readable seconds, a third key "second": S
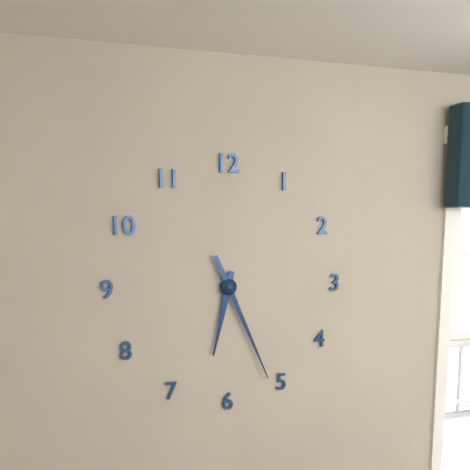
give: {"hour": 6, "minute": 26}
